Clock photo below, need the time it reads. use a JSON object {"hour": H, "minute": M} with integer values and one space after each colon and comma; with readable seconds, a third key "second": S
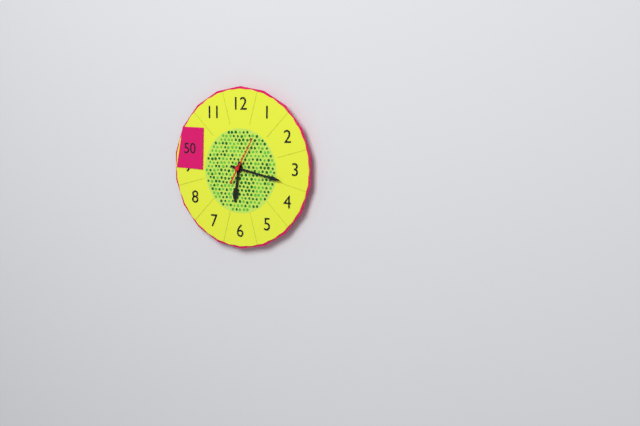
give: {"hour": 6, "minute": 17}
